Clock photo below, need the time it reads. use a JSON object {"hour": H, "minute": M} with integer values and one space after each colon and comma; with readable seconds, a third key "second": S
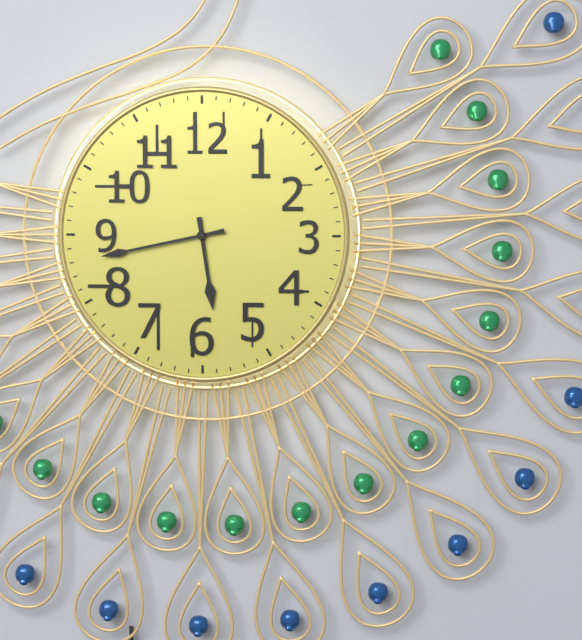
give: {"hour": 5, "minute": 43}
